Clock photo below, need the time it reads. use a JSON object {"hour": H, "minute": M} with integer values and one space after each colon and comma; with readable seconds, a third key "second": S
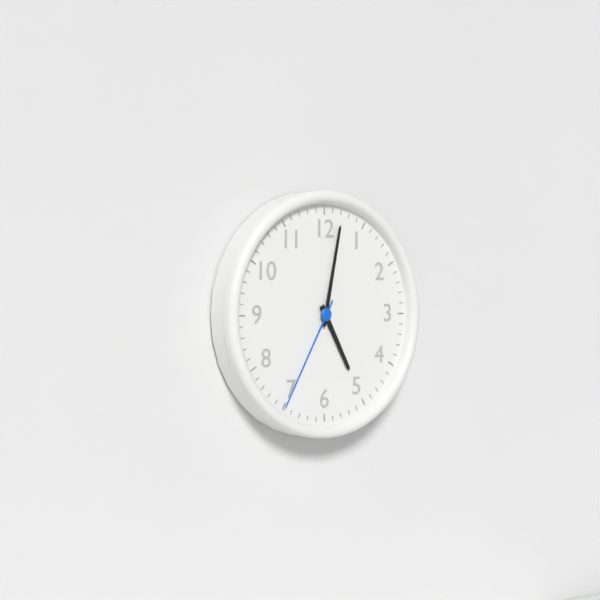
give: {"hour": 5, "minute": 2, "second": 35}
